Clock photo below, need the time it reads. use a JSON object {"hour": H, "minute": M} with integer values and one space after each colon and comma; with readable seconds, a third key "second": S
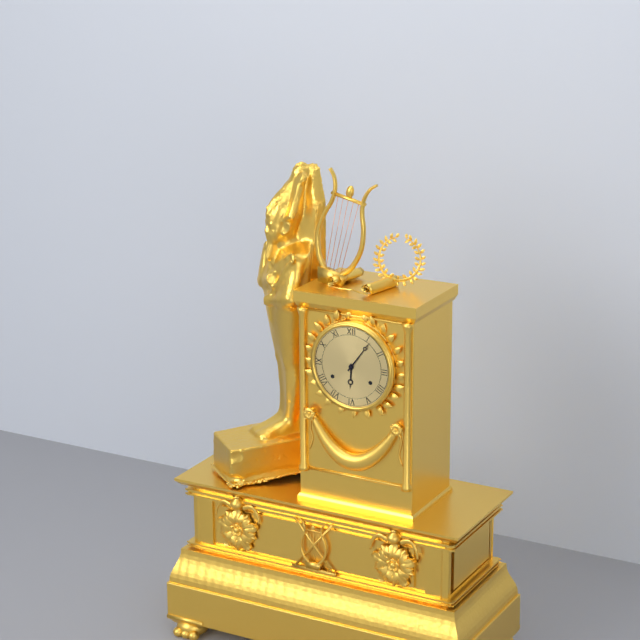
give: {"hour": 6, "minute": 6}
